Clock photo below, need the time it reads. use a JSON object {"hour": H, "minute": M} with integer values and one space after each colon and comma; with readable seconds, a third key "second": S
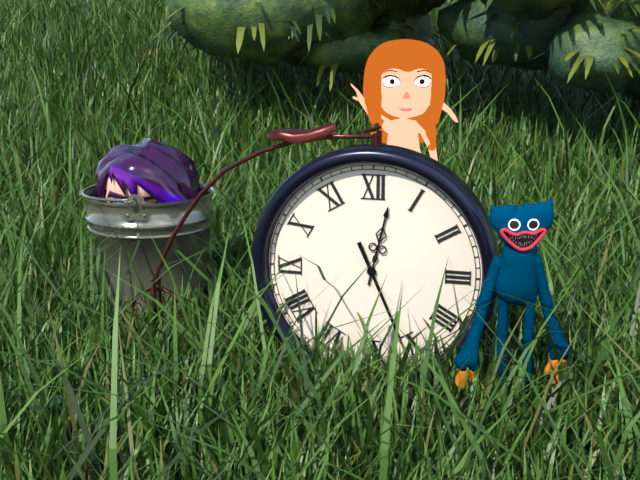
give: {"hour": 12, "minute": 26}
